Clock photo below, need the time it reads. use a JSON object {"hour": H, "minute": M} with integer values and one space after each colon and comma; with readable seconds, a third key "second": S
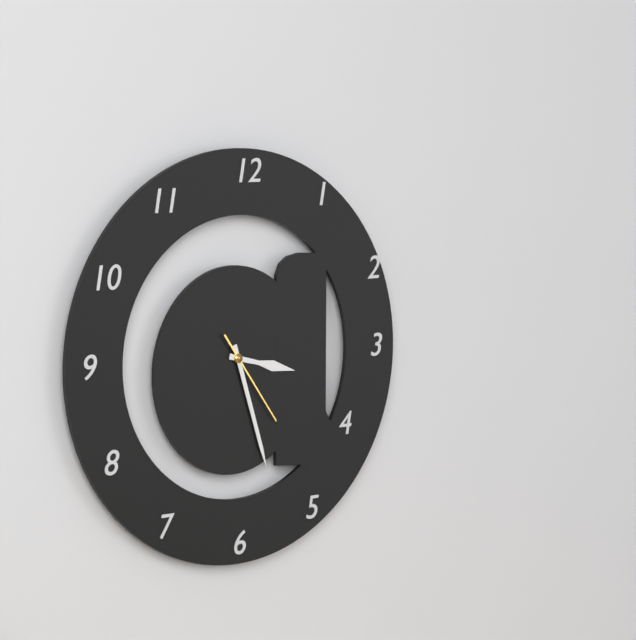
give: {"hour": 3, "minute": 27, "second": 24}
